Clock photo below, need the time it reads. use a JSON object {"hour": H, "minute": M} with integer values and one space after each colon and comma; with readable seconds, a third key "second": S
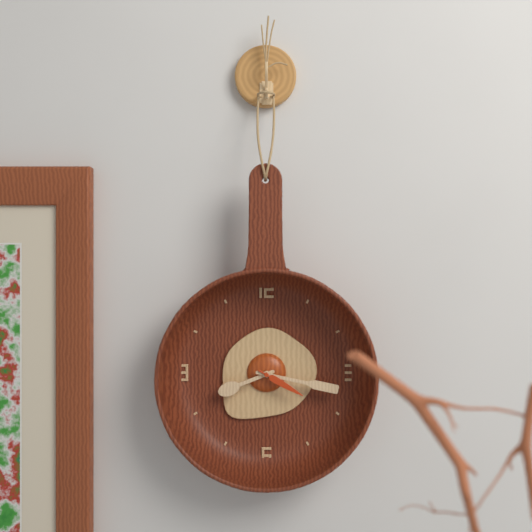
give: {"hour": 8, "minute": 17, "second": 20}
